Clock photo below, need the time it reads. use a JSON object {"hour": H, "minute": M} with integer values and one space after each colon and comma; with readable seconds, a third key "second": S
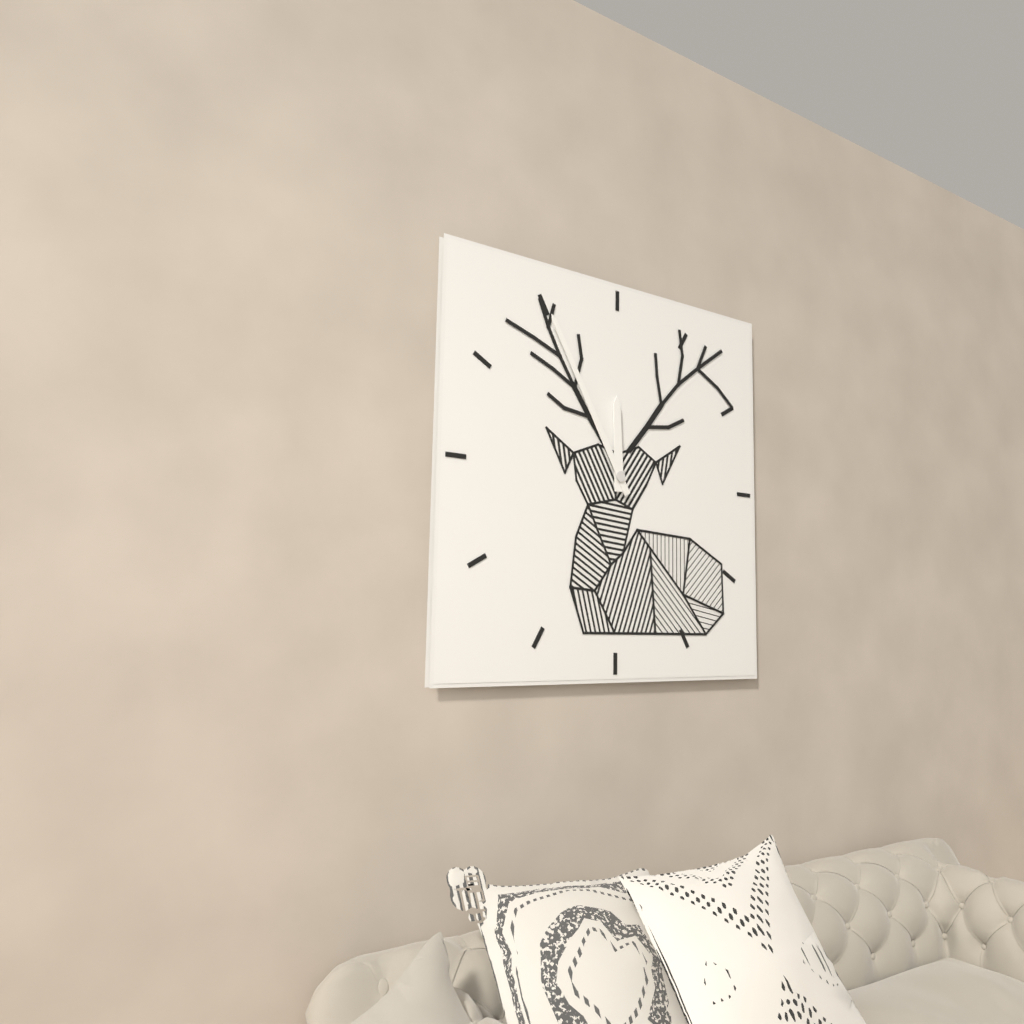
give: {"hour": 11, "minute": 55}
